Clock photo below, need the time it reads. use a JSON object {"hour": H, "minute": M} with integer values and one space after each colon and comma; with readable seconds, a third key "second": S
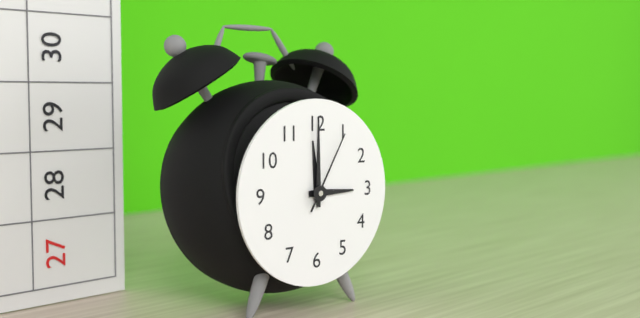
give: {"hour": 3, "minute": 0, "second": 5}
